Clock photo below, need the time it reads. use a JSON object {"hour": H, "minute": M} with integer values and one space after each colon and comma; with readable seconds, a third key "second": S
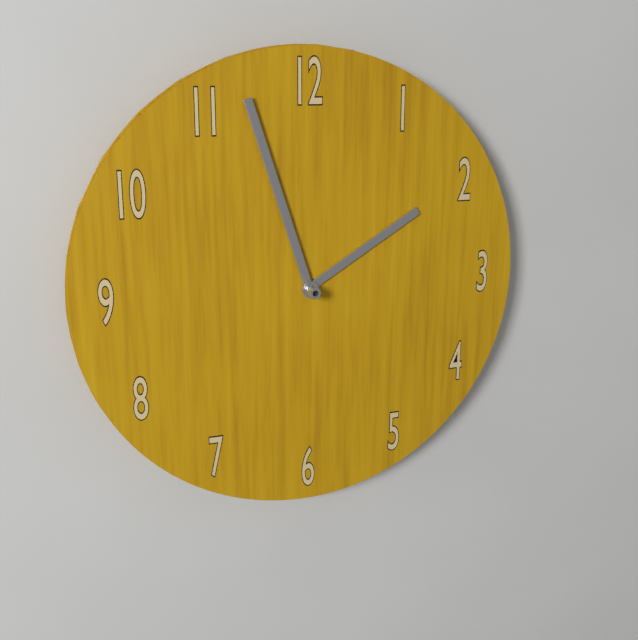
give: {"hour": 1, "minute": 57}
